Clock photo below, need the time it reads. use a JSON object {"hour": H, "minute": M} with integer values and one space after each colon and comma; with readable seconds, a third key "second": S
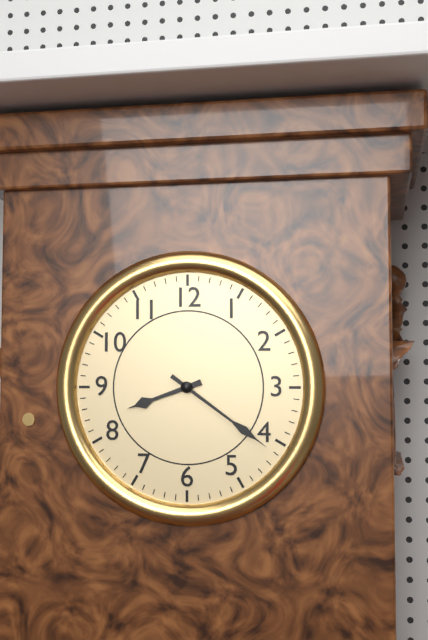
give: {"hour": 8, "minute": 21}
